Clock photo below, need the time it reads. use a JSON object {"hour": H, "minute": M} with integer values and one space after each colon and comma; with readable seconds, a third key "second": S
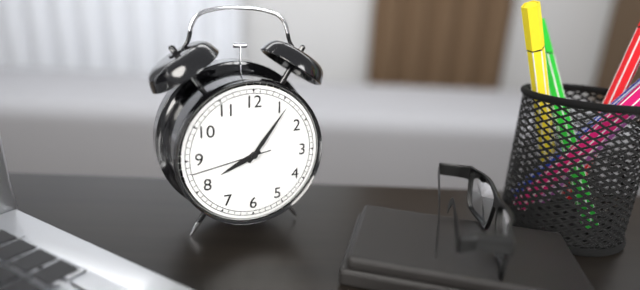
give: {"hour": 8, "minute": 6, "second": 43}
